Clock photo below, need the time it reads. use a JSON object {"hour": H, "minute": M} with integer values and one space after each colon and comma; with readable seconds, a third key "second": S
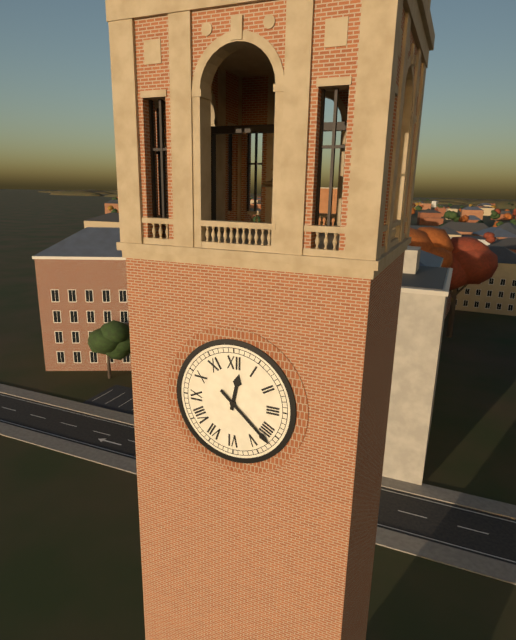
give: {"hour": 12, "minute": 22}
